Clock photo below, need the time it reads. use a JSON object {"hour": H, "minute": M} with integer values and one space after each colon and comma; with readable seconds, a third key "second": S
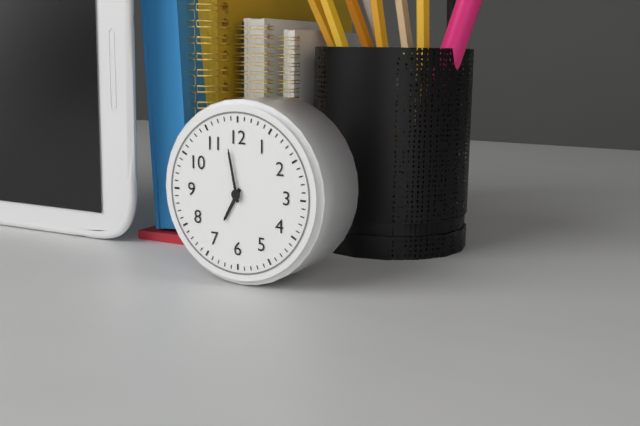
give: {"hour": 6, "minute": 58}
